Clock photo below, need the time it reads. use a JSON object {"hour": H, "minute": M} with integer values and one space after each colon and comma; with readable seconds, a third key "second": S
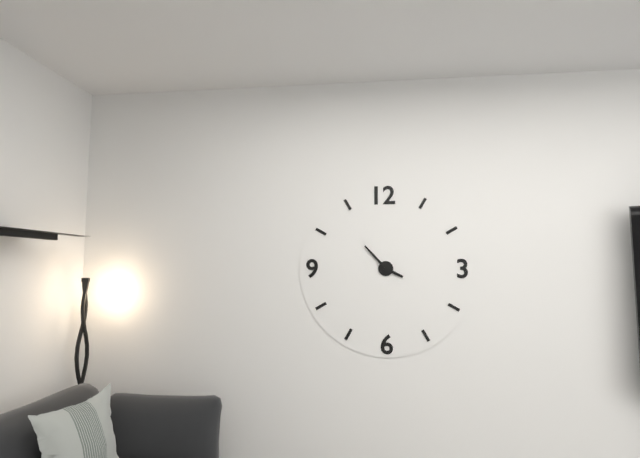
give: {"hour": 3, "minute": 53}
